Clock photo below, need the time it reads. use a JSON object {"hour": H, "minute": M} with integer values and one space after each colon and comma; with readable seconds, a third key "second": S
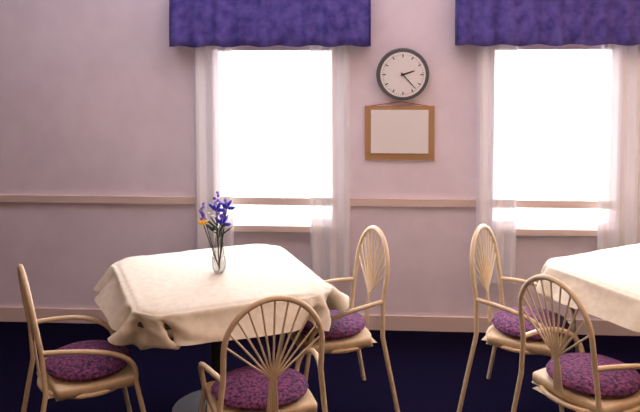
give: {"hour": 2, "minute": 23}
